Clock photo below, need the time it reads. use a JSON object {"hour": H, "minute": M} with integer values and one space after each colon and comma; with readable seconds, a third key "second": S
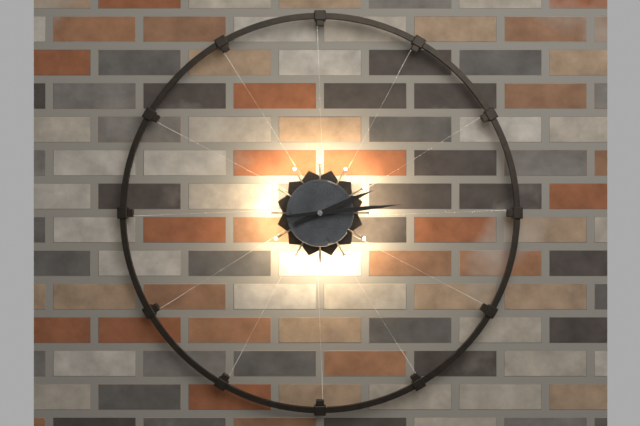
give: {"hour": 2, "minute": 14}
